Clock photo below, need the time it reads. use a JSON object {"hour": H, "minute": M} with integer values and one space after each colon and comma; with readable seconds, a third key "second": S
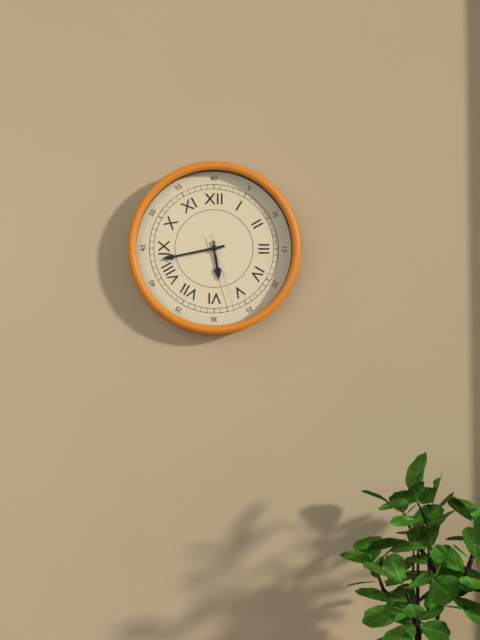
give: {"hour": 5, "minute": 43, "second": 27}
